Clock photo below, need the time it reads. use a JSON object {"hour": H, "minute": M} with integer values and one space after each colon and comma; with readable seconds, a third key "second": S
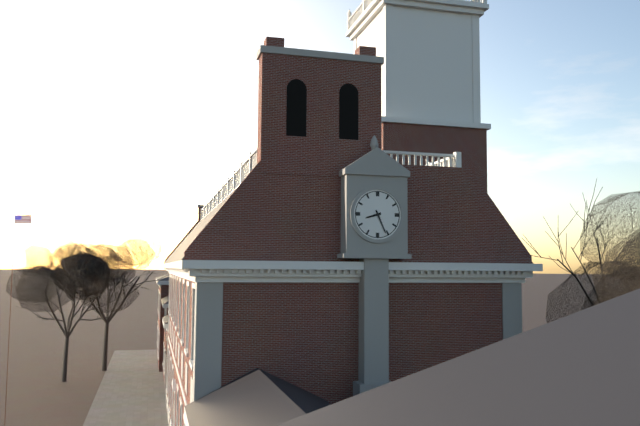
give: {"hour": 8, "minute": 26}
